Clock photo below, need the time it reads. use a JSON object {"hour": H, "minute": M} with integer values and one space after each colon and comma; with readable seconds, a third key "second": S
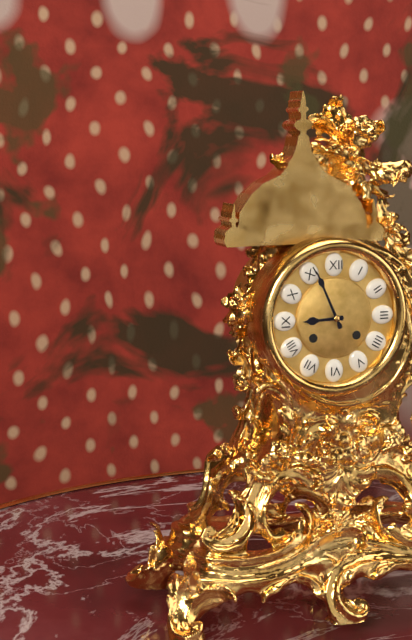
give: {"hour": 8, "minute": 56}
